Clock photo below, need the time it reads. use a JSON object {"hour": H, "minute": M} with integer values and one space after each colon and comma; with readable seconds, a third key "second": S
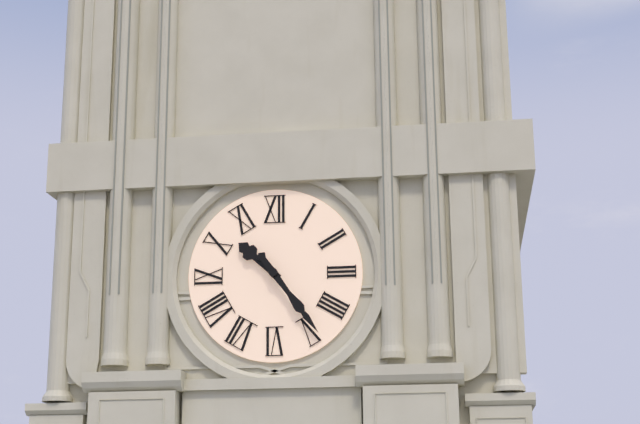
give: {"hour": 10, "minute": 24}
